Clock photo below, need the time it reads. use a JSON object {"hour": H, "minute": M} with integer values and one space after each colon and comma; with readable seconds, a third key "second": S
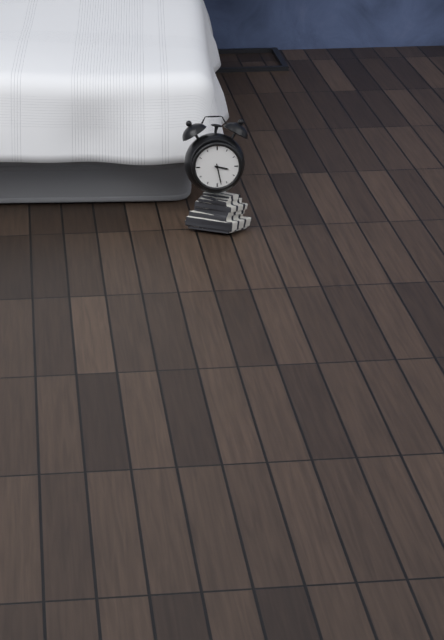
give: {"hour": 3, "minute": 28}
